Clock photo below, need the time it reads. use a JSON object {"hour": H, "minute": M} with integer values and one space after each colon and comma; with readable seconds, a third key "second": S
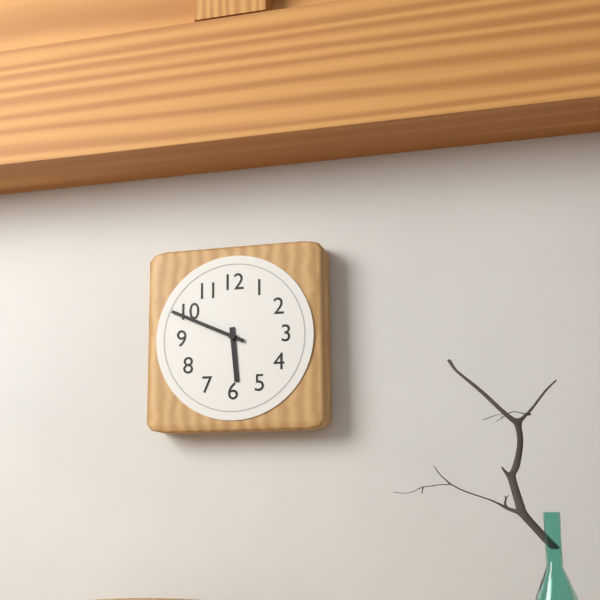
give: {"hour": 5, "minute": 49}
